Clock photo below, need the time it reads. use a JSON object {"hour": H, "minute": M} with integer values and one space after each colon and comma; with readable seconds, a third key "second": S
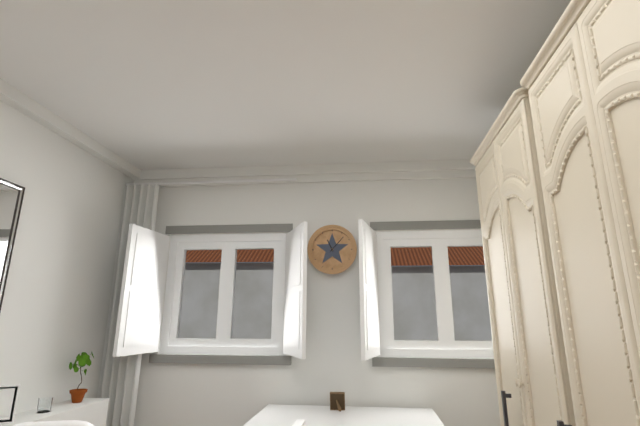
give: {"hour": 11, "minute": 7}
